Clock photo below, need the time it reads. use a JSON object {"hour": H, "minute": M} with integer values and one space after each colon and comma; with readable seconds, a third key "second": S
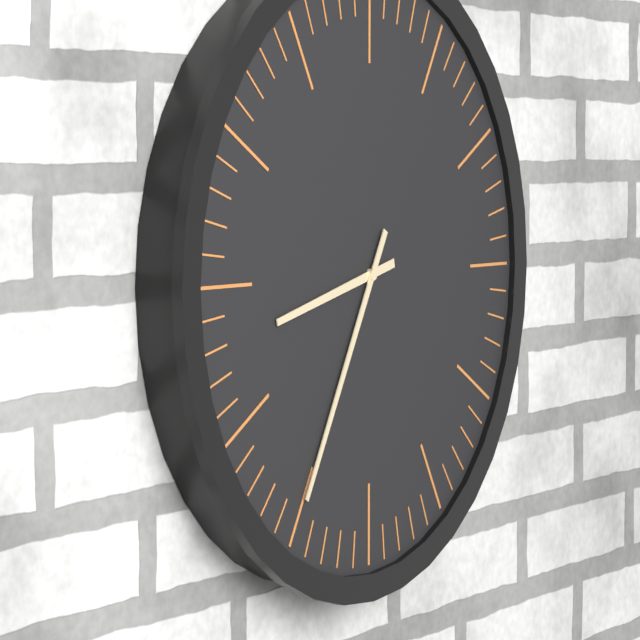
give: {"hour": 8, "minute": 35}
